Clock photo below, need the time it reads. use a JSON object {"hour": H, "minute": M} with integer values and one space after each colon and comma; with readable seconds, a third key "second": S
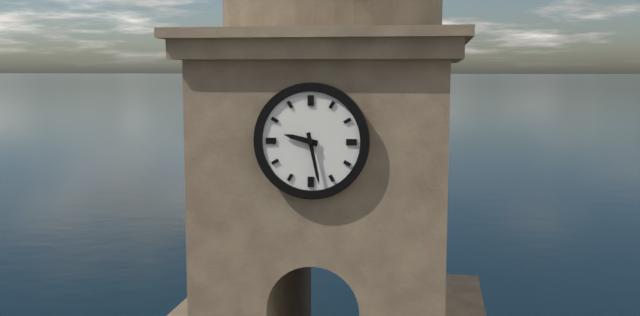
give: {"hour": 9, "minute": 28}
